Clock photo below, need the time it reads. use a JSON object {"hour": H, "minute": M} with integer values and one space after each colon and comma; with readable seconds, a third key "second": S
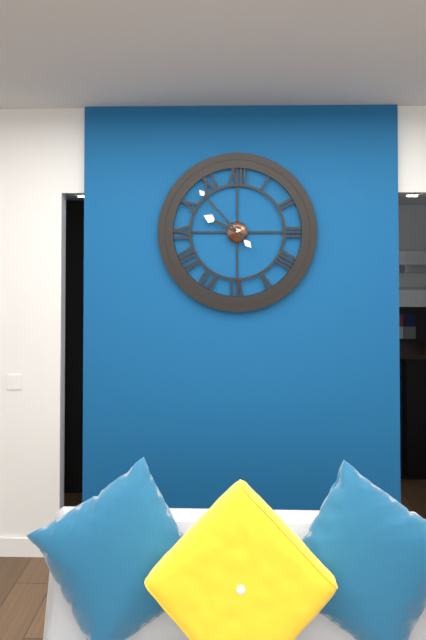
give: {"hour": 9, "minute": 53}
